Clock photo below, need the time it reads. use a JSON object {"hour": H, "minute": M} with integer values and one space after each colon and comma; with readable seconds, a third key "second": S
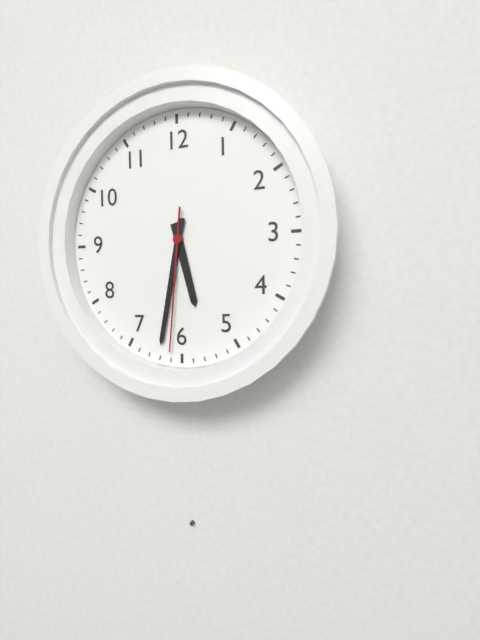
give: {"hour": 5, "minute": 32, "second": 31}
